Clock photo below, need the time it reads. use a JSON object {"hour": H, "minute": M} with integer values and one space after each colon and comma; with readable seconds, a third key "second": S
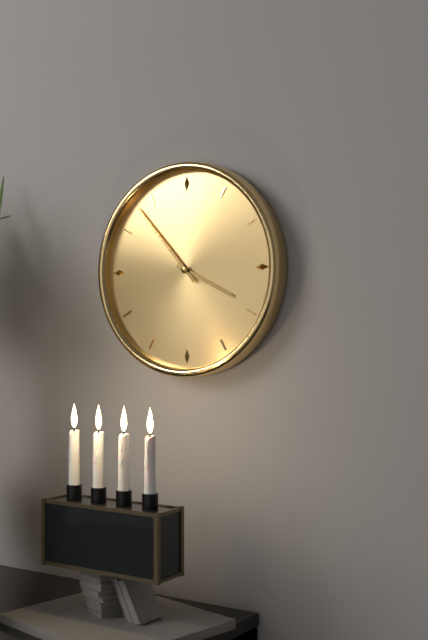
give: {"hour": 3, "minute": 53}
